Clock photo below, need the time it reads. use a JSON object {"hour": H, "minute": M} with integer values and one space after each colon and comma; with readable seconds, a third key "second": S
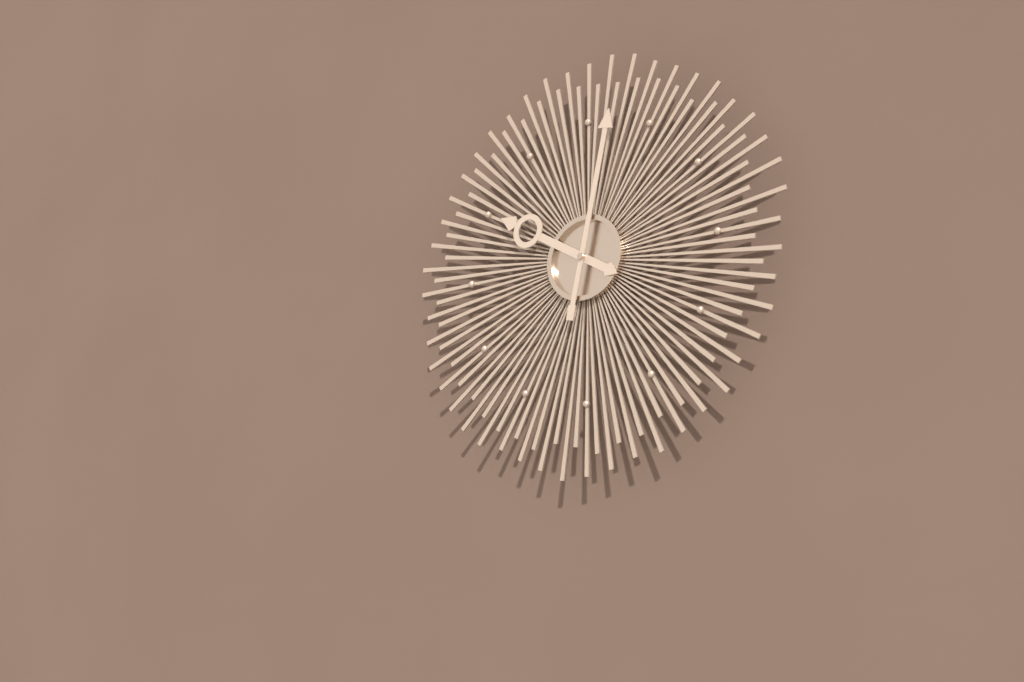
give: {"hour": 10, "minute": 2}
